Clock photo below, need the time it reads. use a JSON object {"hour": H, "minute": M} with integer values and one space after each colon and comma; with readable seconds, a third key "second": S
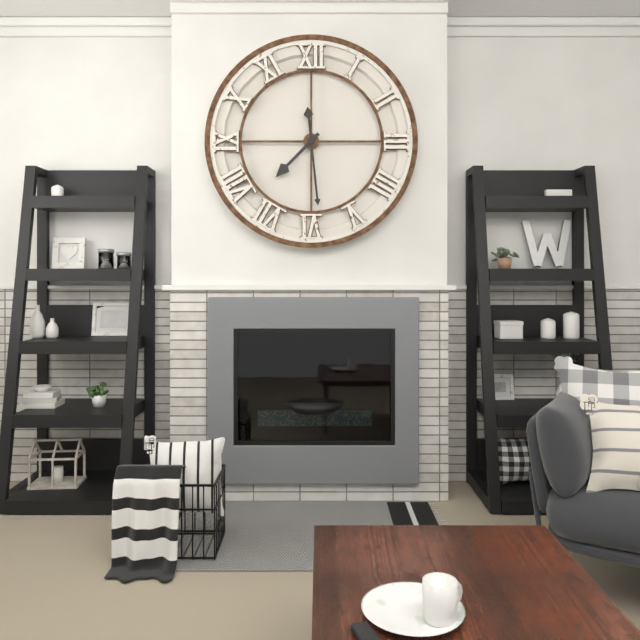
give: {"hour": 7, "minute": 29}
